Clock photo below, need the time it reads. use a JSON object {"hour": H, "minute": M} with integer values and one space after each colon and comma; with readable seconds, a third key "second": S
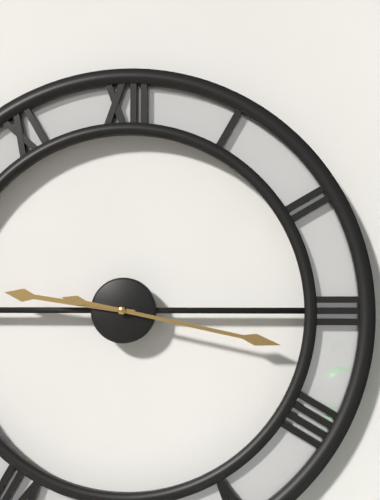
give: {"hour": 9, "minute": 17}
